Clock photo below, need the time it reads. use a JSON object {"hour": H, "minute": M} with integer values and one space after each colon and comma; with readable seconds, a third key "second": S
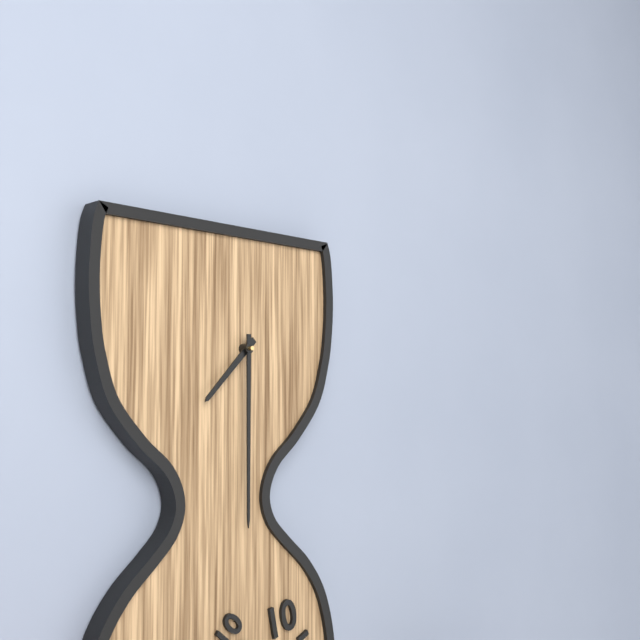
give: {"hour": 7, "minute": 30}
